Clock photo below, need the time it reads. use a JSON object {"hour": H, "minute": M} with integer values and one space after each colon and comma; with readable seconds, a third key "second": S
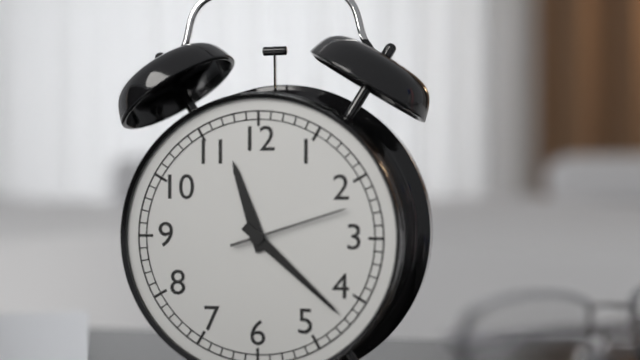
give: {"hour": 11, "minute": 22, "second": 12}
